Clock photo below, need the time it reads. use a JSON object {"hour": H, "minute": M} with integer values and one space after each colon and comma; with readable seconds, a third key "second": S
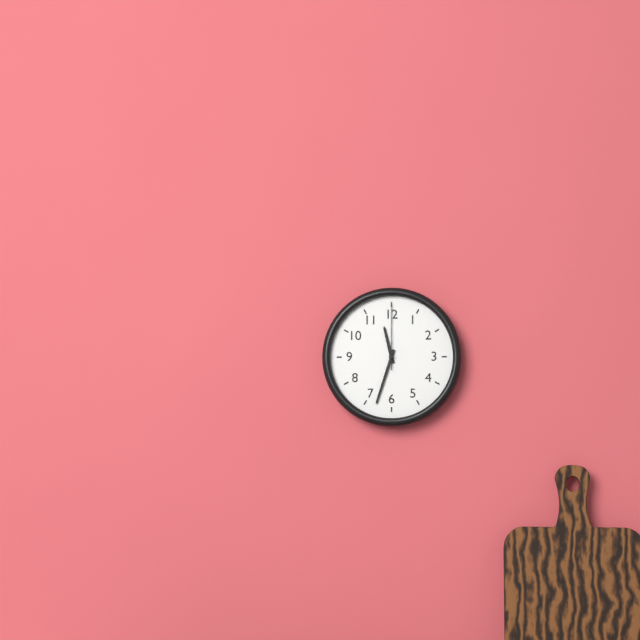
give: {"hour": 11, "minute": 33, "second": 0}
